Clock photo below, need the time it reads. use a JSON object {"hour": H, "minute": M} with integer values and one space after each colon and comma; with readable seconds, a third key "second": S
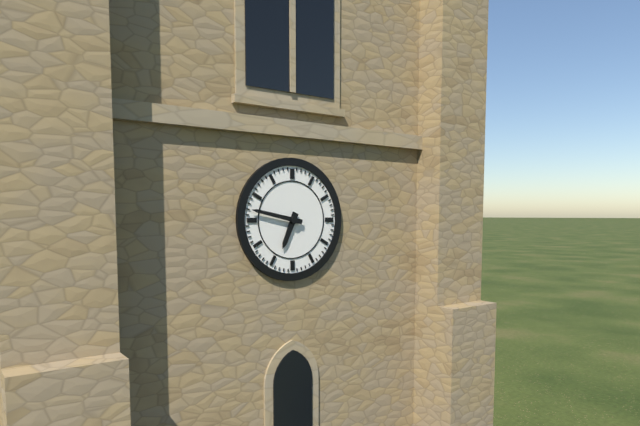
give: {"hour": 6, "minute": 47}
